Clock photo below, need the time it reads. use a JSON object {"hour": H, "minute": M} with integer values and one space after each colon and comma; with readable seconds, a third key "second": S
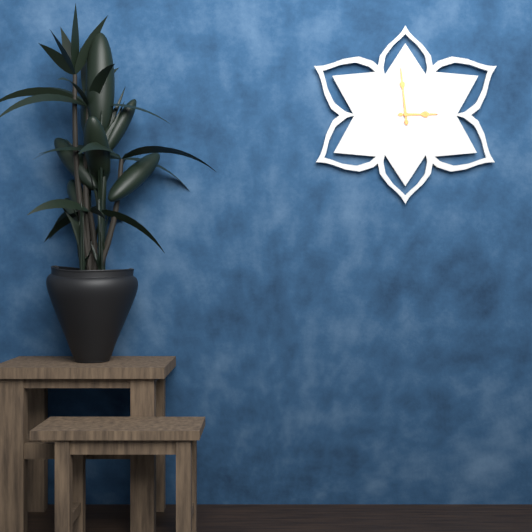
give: {"hour": 2, "minute": 59}
